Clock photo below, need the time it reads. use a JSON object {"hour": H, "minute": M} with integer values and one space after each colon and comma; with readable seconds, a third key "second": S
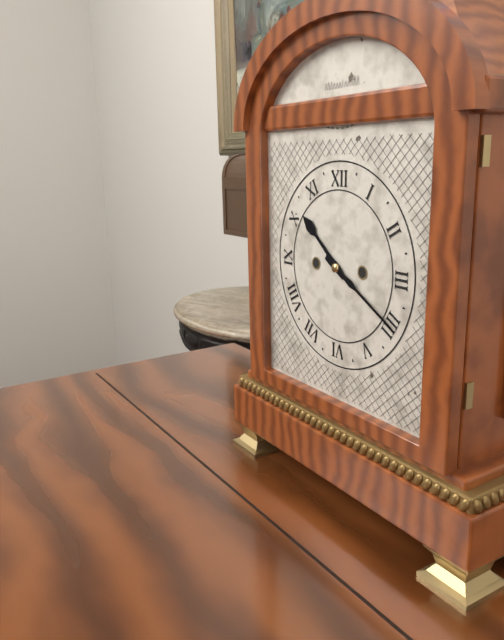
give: {"hour": 10, "minute": 20}
